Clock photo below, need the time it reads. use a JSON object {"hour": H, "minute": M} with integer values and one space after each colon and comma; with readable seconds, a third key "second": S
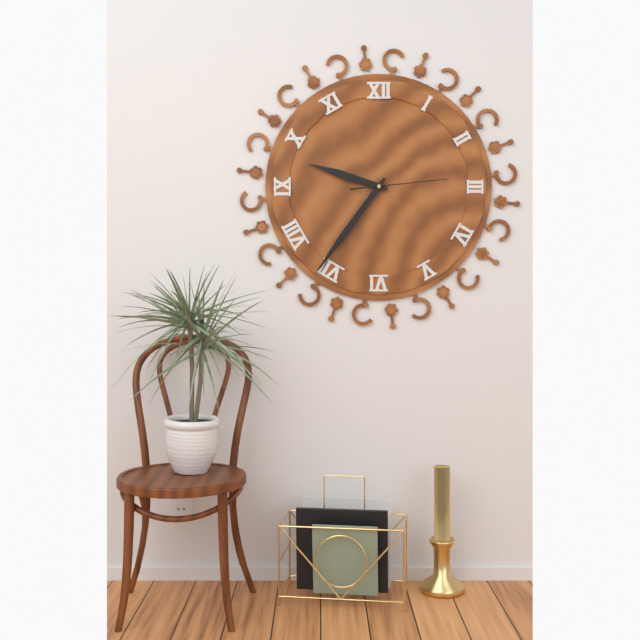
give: {"hour": 9, "minute": 36, "second": 14}
